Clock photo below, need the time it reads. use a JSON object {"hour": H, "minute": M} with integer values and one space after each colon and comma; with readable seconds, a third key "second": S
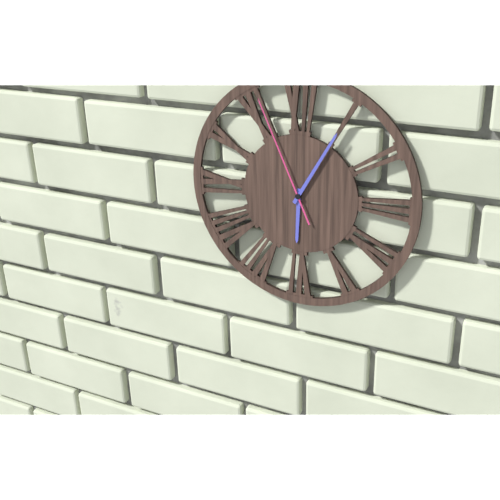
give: {"hour": 6, "minute": 5, "second": 56}
